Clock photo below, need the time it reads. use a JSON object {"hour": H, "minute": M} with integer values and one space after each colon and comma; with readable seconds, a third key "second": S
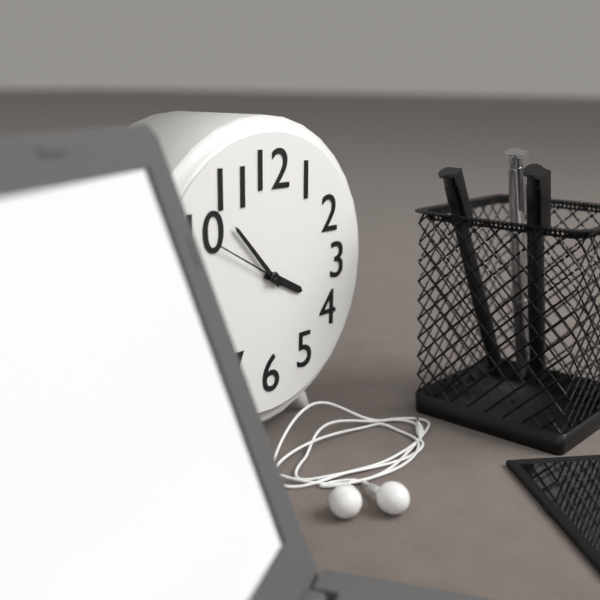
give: {"hour": 3, "minute": 53, "second": 50}
